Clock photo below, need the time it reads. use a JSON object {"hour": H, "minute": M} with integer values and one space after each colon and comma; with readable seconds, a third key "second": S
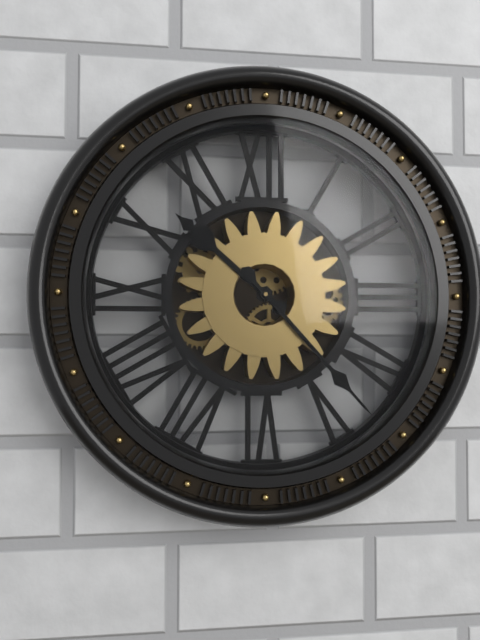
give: {"hour": 10, "minute": 23}
